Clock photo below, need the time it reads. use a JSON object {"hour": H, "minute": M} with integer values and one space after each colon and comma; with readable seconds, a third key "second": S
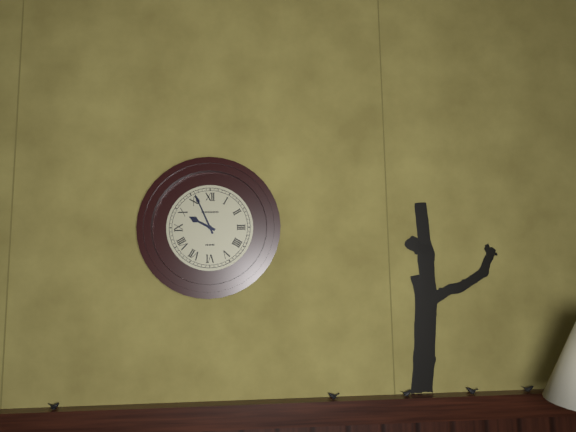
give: {"hour": 9, "minute": 56}
